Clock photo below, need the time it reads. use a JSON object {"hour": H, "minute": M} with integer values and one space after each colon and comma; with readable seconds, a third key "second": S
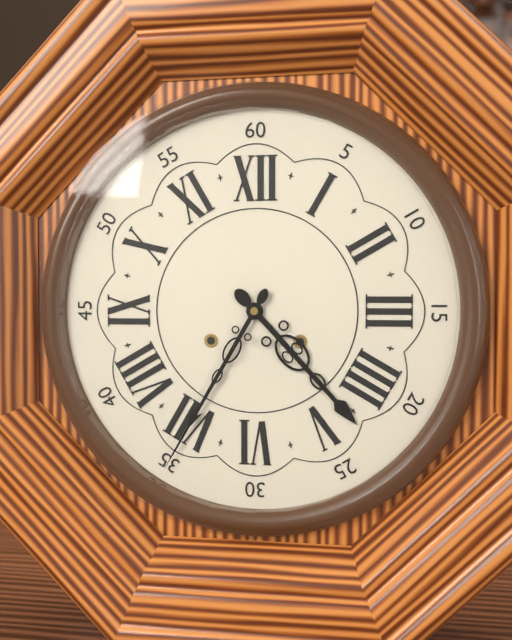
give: {"hour": 4, "minute": 35}
